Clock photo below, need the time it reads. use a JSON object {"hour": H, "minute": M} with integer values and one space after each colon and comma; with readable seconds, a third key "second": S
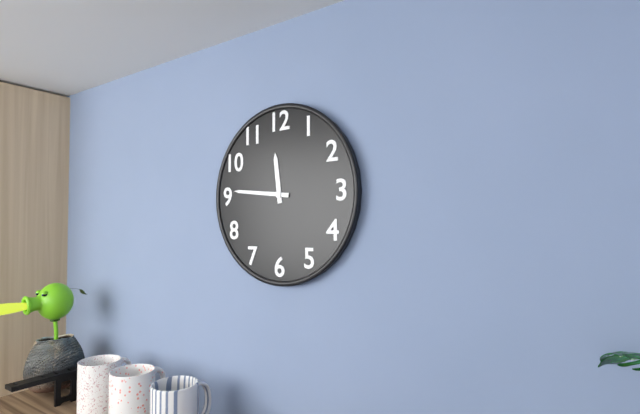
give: {"hour": 11, "minute": 46}
